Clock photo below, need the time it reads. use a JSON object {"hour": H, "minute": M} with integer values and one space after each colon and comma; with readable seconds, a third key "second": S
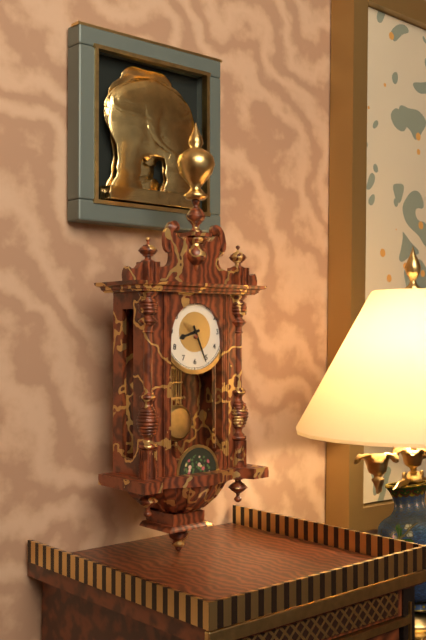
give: {"hour": 8, "minute": 26}
